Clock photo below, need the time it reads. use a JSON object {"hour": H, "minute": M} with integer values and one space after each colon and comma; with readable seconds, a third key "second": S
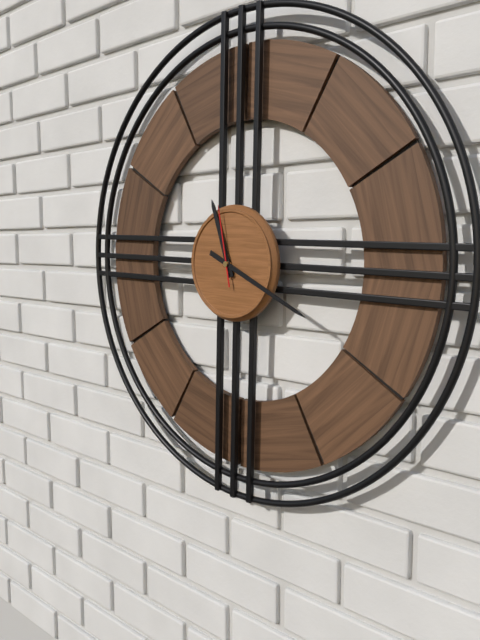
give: {"hour": 11, "minute": 19, "second": 58}
